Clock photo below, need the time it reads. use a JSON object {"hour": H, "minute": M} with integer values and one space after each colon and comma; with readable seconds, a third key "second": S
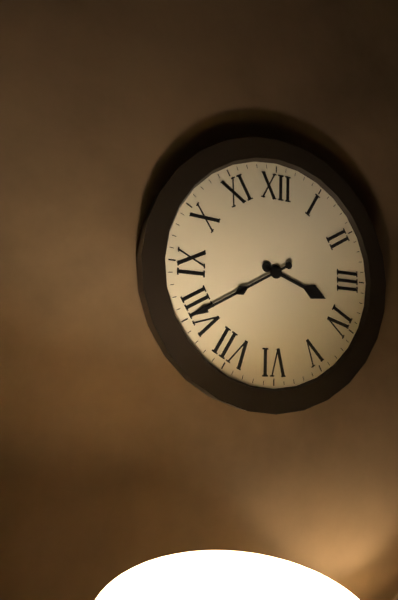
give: {"hour": 3, "minute": 40}
